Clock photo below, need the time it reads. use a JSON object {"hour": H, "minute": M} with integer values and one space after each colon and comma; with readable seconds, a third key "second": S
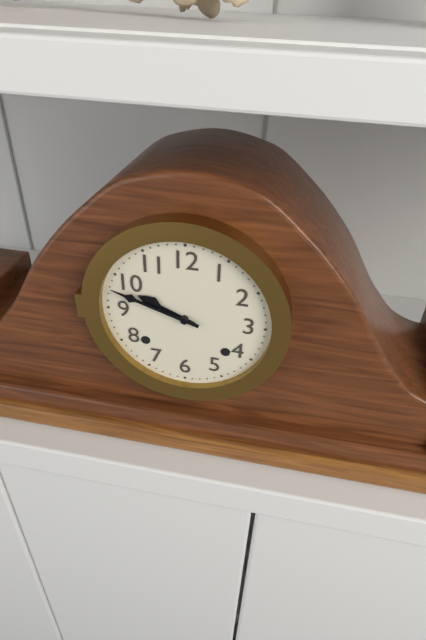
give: {"hour": 9, "minute": 48}
